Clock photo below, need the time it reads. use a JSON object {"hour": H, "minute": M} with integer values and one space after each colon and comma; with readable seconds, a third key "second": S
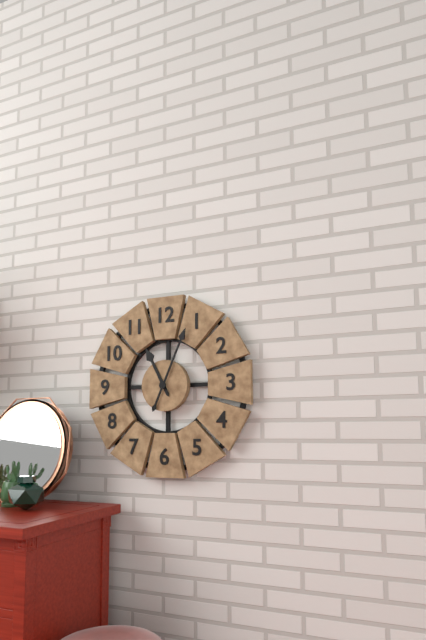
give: {"hour": 11, "minute": 4}
